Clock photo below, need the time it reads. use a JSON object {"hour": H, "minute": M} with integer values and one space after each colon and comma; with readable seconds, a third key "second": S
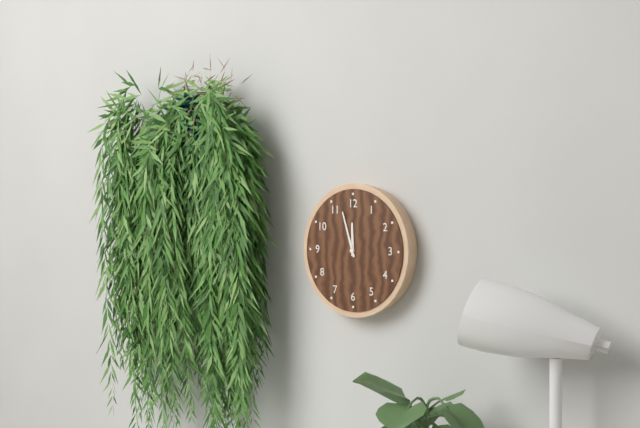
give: {"hour": 11, "minute": 57}
